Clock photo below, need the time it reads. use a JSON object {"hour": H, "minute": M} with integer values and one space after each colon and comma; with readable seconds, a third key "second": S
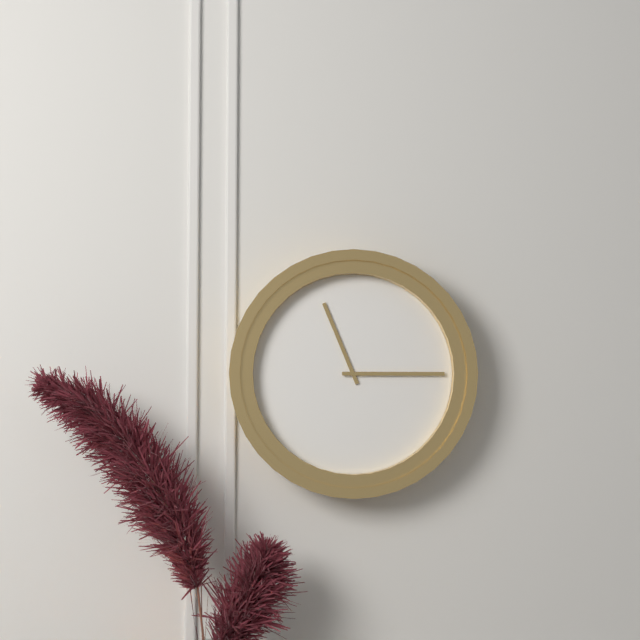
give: {"hour": 11, "minute": 15}
